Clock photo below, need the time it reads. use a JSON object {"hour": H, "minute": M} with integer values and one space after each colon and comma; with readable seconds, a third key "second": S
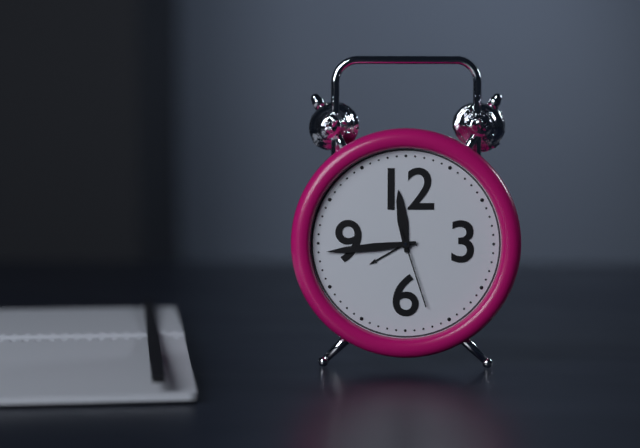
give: {"hour": 11, "minute": 44, "second": 27}
